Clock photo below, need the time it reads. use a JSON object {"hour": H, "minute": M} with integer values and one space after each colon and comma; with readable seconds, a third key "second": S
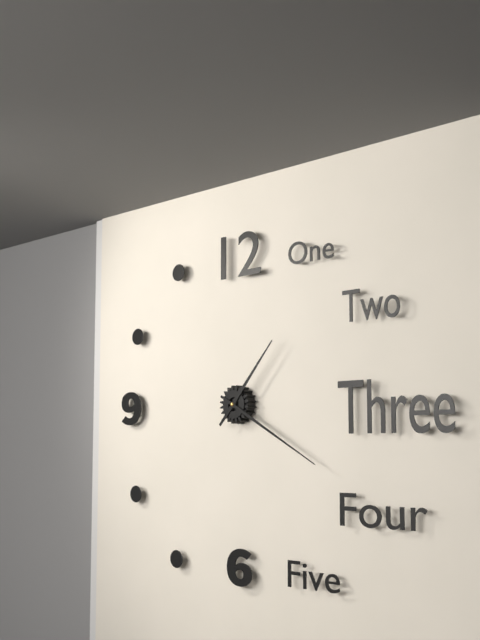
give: {"hour": 1, "minute": 20}
